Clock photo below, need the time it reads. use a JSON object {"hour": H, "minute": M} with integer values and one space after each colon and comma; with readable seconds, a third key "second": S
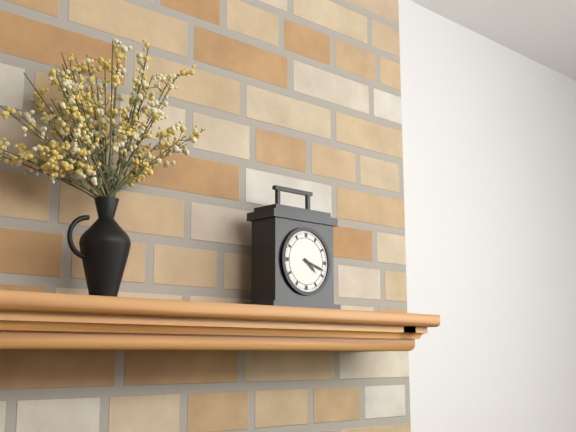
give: {"hour": 4, "minute": 18}
